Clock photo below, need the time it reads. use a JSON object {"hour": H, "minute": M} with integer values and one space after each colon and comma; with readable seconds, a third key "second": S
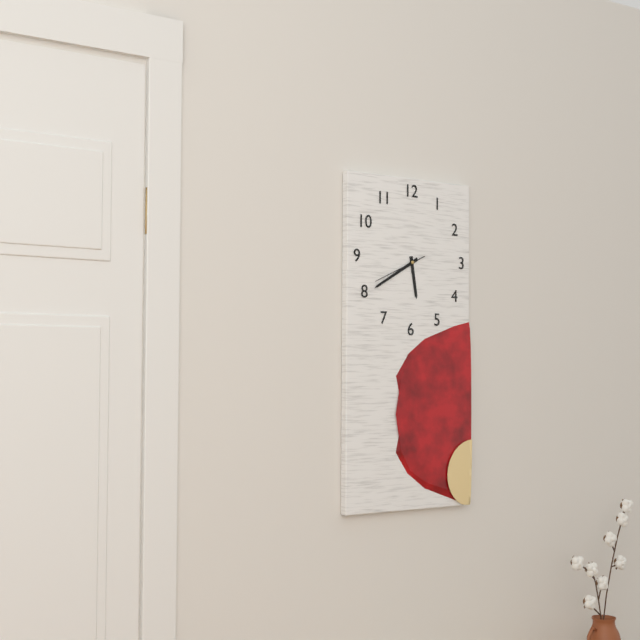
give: {"hour": 5, "minute": 40}
